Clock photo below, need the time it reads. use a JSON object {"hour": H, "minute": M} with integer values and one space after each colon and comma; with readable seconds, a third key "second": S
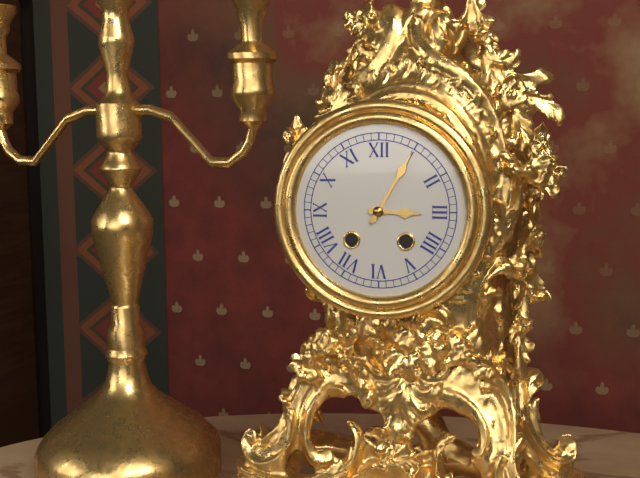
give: {"hour": 3, "minute": 5}
